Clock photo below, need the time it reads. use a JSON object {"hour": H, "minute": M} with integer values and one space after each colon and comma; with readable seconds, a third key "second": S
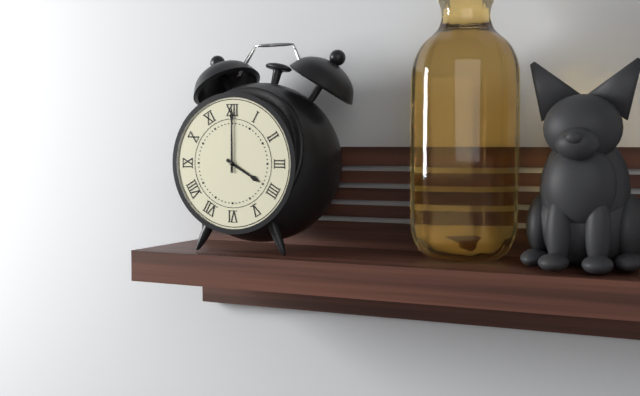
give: {"hour": 4, "minute": 0}
